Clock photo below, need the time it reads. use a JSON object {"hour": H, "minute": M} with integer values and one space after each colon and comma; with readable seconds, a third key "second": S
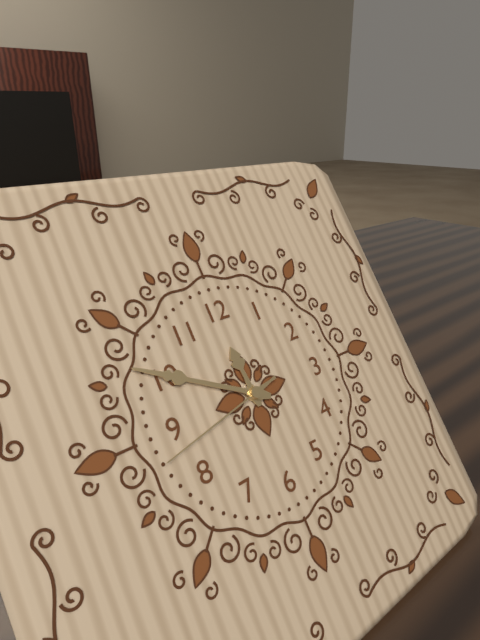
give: {"hour": 11, "minute": 50, "second": 43}
